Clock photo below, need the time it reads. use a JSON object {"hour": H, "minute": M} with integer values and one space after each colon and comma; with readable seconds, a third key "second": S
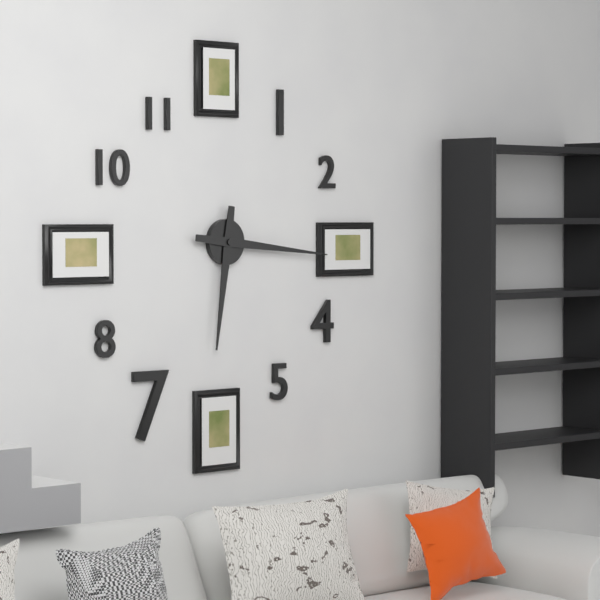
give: {"hour": 6, "minute": 16}
